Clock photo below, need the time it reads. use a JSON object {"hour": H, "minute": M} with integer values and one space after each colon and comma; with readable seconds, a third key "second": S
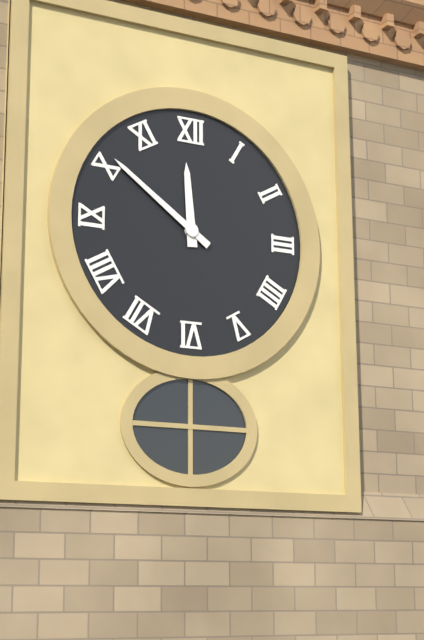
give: {"hour": 11, "minute": 51}
